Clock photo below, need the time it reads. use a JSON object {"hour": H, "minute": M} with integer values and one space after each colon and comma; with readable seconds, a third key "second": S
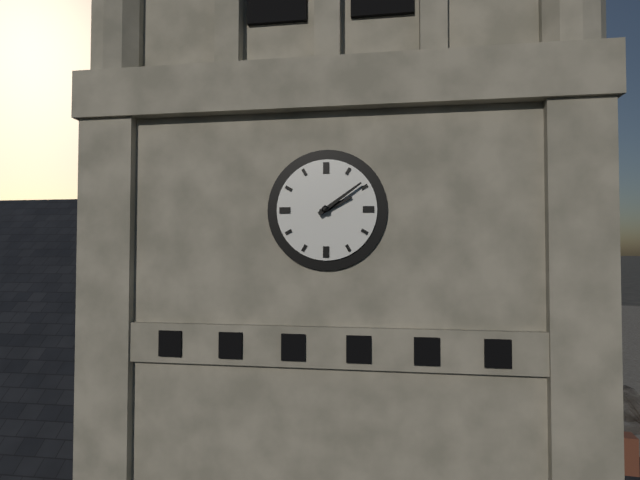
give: {"hour": 2, "minute": 9}
